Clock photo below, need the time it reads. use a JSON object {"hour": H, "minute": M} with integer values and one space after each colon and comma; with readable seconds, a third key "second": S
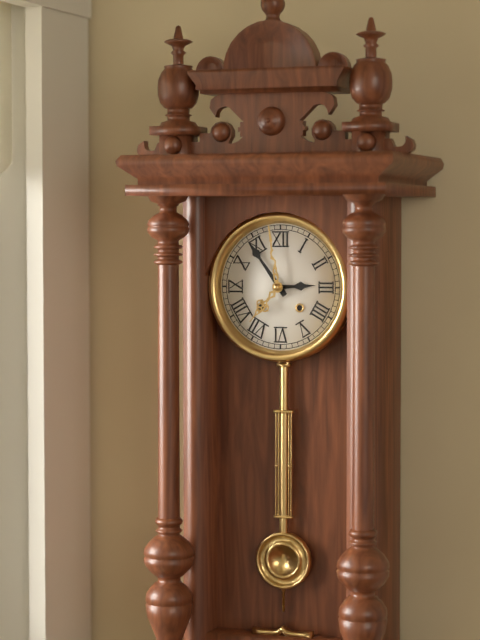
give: {"hour": 2, "minute": 54}
